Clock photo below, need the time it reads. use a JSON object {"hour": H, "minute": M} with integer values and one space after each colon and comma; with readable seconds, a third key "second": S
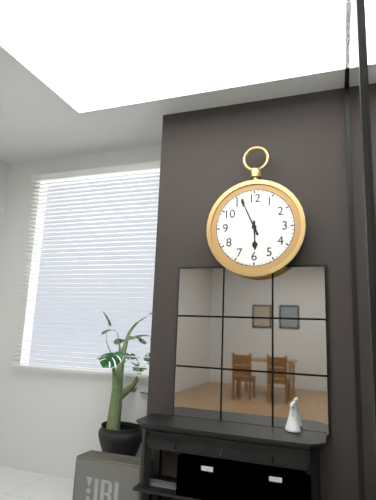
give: {"hour": 5, "minute": 56}
